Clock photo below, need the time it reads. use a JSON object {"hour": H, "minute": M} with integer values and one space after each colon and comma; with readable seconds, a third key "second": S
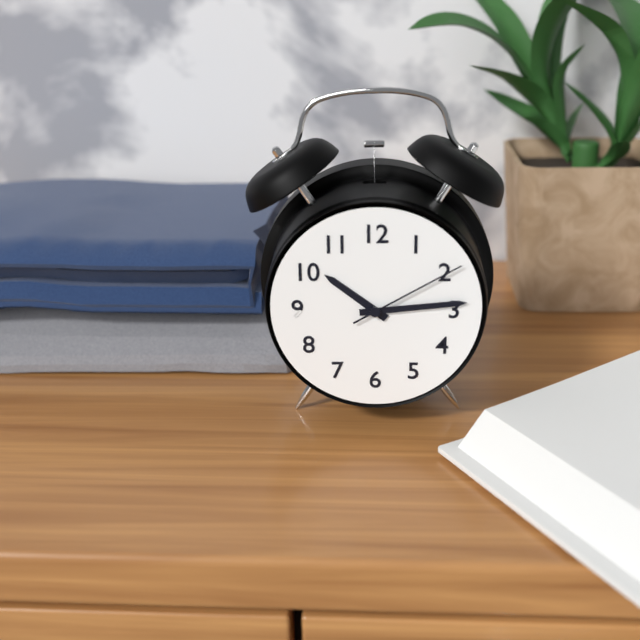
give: {"hour": 10, "minute": 14, "second": 10}
